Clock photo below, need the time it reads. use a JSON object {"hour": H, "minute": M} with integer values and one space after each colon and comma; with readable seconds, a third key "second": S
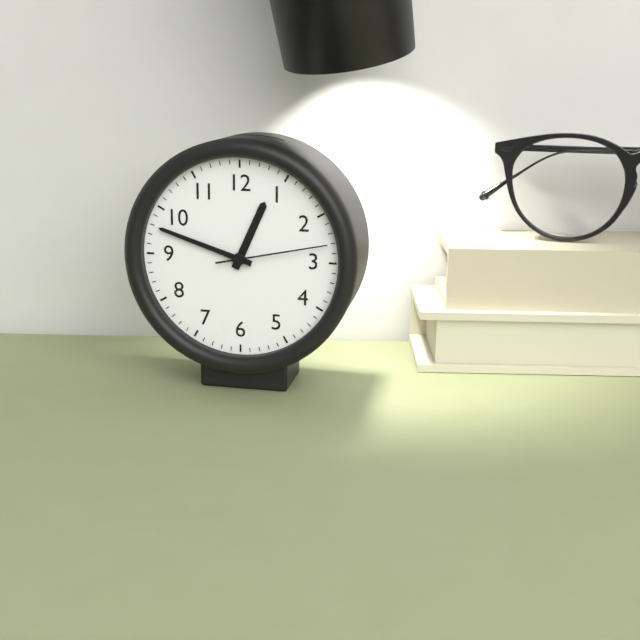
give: {"hour": 12, "minute": 48, "second": 13}
